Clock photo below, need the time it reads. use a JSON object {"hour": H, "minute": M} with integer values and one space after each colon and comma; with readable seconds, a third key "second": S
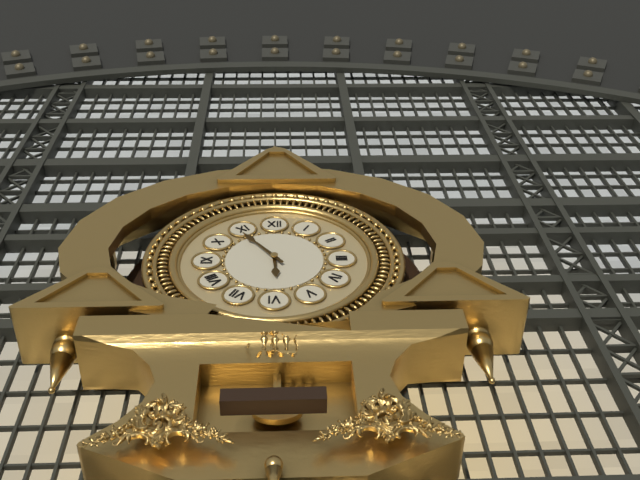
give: {"hour": 5, "minute": 54}
